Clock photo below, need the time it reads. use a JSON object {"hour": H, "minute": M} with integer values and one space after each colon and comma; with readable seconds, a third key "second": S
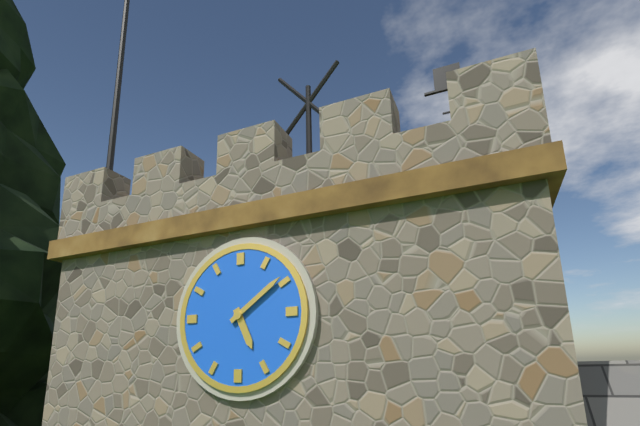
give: {"hour": 5, "minute": 9}
